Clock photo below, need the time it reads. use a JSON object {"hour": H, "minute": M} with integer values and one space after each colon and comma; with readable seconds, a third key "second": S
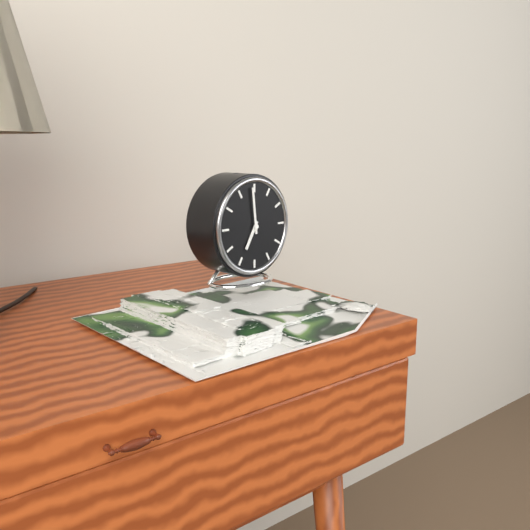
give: {"hour": 6, "minute": 59}
